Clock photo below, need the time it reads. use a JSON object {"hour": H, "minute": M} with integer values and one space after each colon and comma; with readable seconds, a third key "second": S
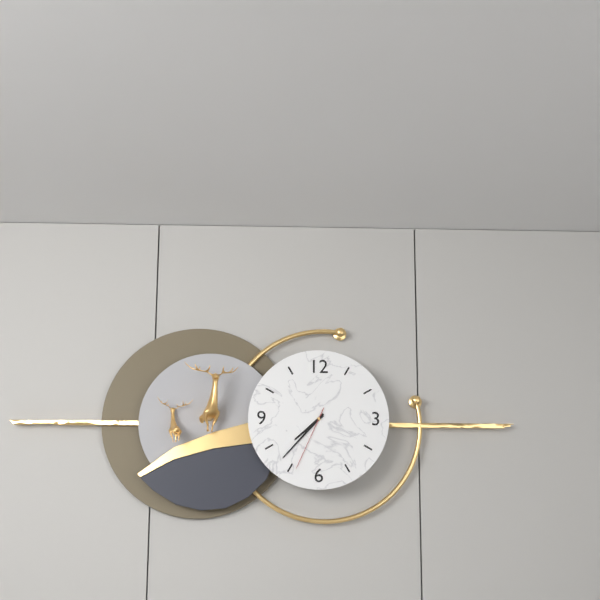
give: {"hour": 7, "minute": 37, "second": 34}
